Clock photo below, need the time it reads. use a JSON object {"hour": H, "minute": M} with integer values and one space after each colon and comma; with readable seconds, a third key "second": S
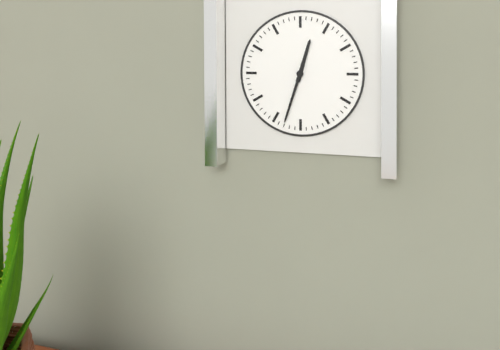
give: {"hour": 12, "minute": 33}
